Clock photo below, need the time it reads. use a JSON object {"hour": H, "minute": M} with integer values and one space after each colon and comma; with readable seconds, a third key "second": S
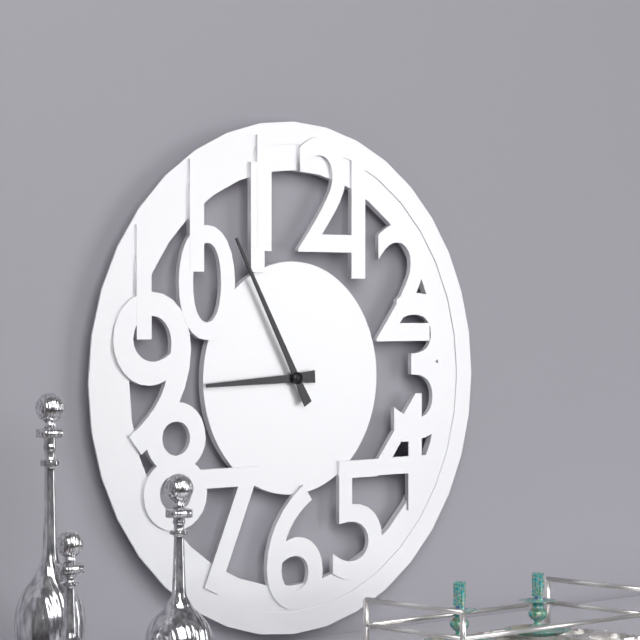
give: {"hour": 8, "minute": 55}
